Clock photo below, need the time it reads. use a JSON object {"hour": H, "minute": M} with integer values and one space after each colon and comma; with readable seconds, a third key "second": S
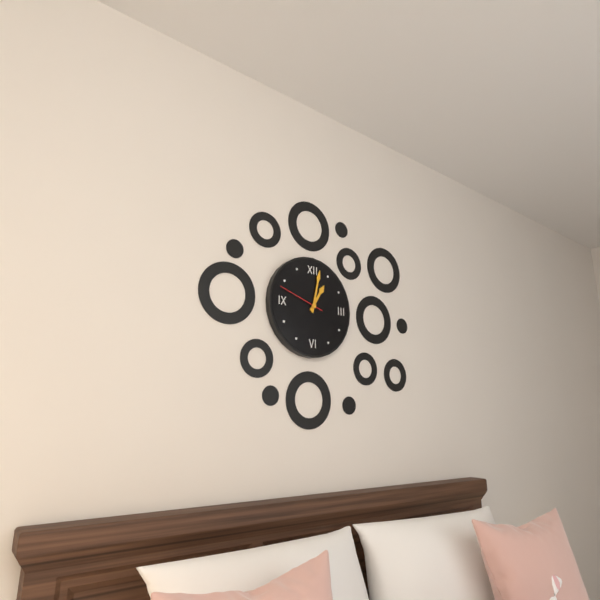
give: {"hour": 1, "minute": 2}
